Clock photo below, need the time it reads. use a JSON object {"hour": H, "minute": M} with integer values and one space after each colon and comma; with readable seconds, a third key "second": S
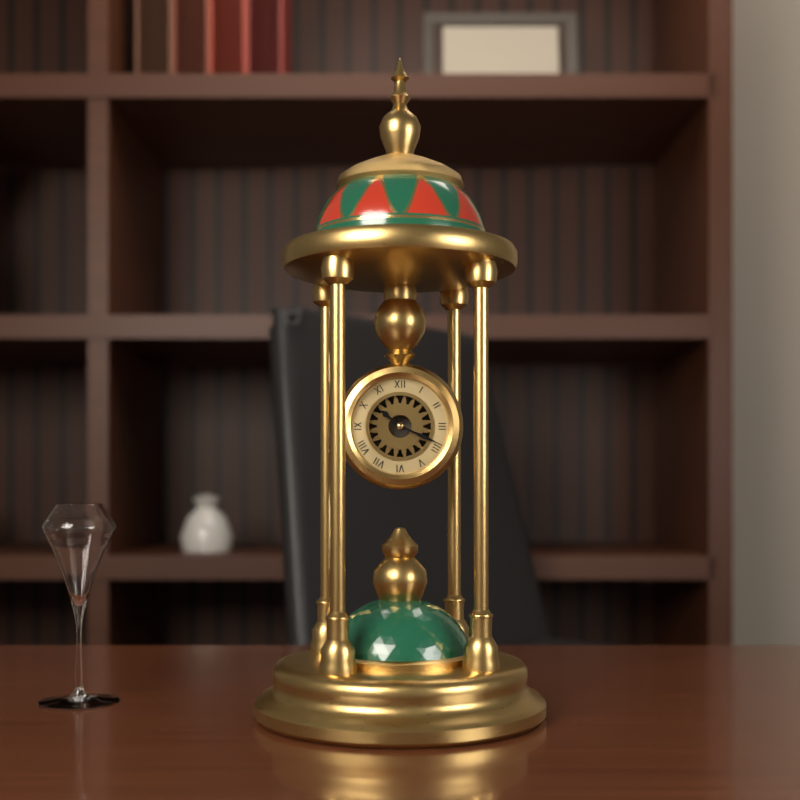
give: {"hour": 10, "minute": 19}
